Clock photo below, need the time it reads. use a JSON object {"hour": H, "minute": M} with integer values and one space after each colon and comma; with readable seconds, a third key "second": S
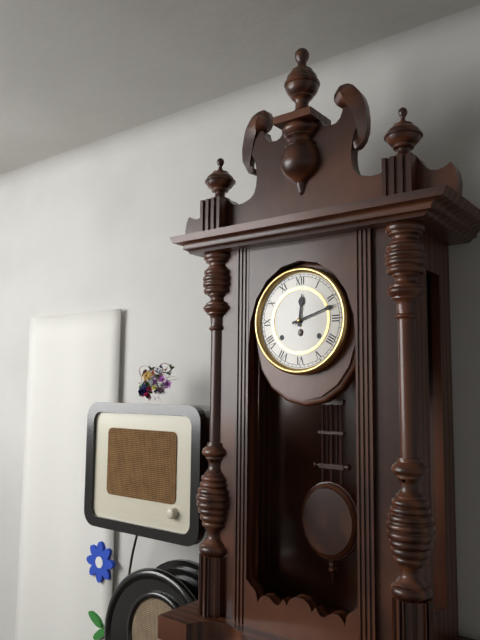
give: {"hour": 12, "minute": 12}
